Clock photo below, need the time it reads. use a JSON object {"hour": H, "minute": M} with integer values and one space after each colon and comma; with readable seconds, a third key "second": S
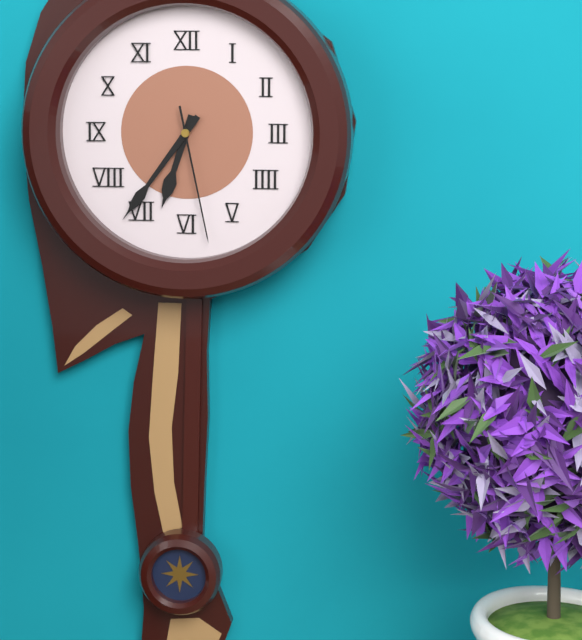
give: {"hour": 6, "minute": 36, "second": 28}
